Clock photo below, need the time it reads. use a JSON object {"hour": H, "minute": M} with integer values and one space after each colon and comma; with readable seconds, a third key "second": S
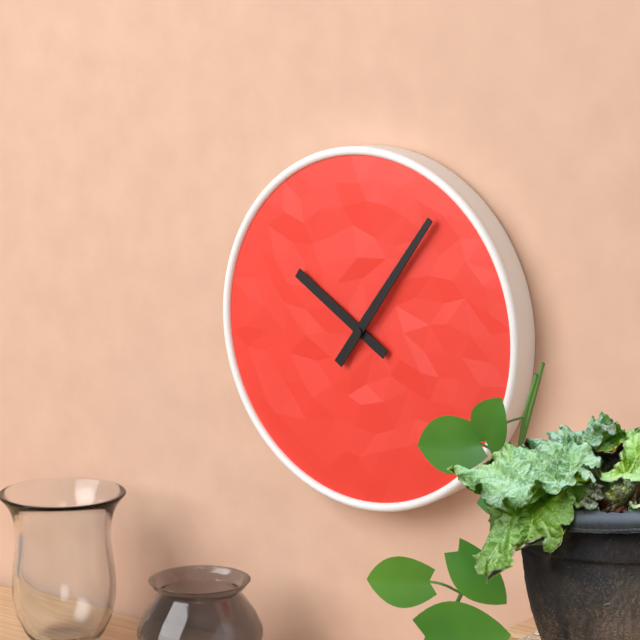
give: {"hour": 10, "minute": 6}
